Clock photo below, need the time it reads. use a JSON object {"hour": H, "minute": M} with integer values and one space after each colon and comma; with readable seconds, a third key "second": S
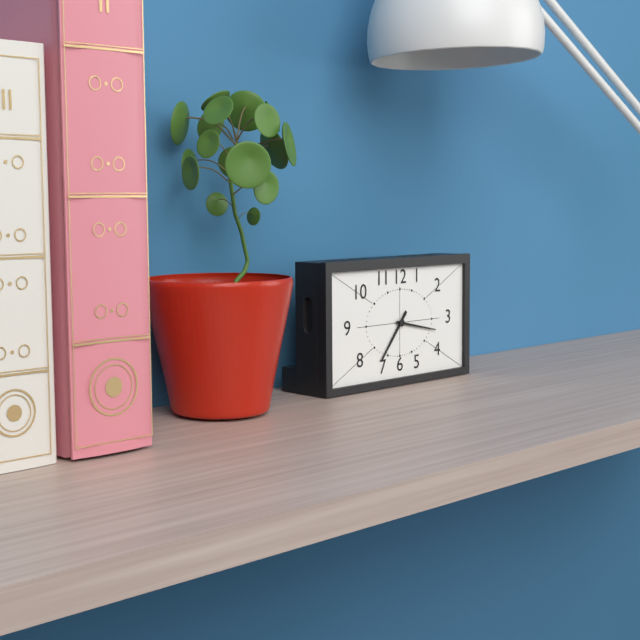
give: {"hour": 7, "minute": 17}
